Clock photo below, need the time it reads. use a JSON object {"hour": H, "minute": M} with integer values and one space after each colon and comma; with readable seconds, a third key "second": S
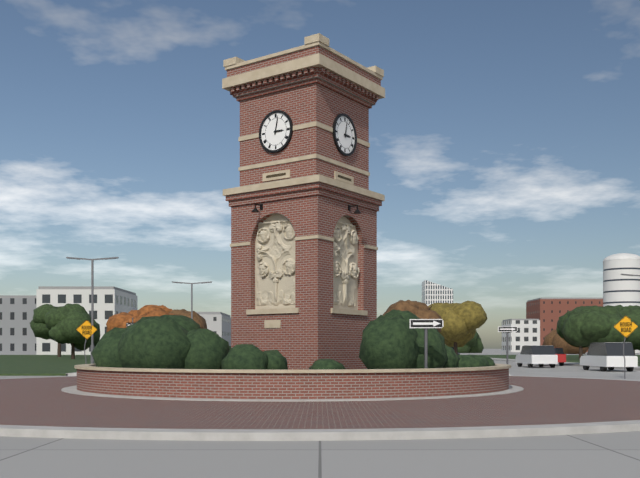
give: {"hour": 3, "minute": 2}
